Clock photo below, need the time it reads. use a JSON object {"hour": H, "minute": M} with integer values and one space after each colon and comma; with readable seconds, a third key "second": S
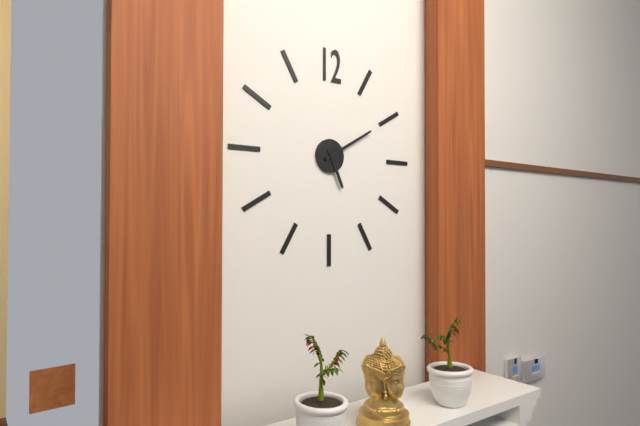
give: {"hour": 5, "minute": 10}
